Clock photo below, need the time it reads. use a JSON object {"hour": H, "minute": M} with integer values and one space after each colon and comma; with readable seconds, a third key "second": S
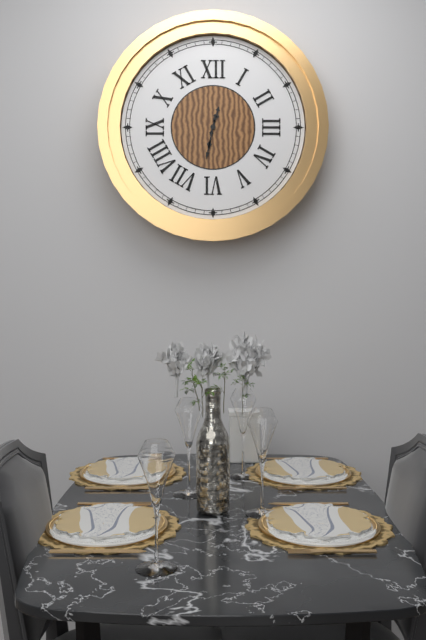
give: {"hour": 12, "minute": 32}
